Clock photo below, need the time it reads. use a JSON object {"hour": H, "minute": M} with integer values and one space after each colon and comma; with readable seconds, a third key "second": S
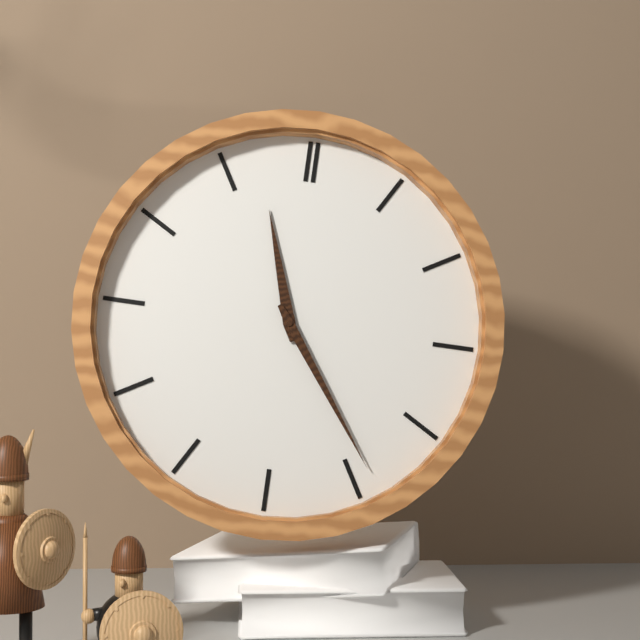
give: {"hour": 11, "minute": 24}
